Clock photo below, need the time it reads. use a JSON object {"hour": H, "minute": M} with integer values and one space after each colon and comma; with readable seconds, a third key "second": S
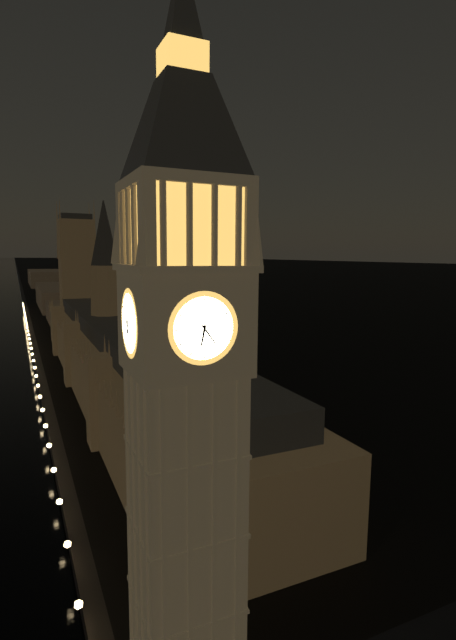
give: {"hour": 6, "minute": 24}
